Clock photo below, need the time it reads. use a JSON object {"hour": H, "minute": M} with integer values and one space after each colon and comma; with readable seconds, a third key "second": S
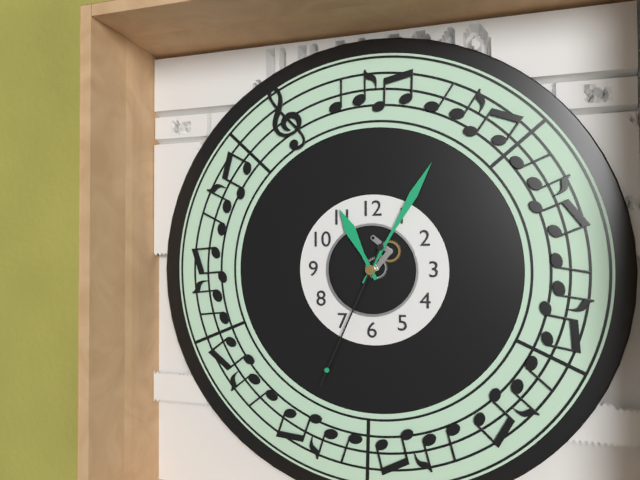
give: {"hour": 11, "minute": 5, "second": 34}
